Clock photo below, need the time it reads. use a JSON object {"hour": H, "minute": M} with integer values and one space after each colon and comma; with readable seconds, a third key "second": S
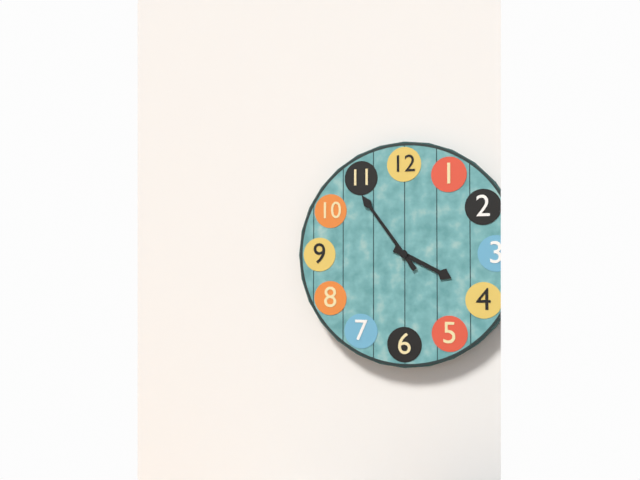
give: {"hour": 3, "minute": 54}
